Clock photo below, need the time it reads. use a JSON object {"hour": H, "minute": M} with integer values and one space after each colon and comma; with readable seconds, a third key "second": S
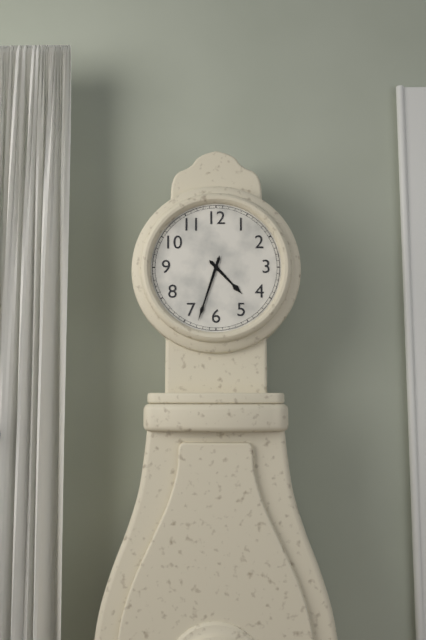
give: {"hour": 4, "minute": 33}
